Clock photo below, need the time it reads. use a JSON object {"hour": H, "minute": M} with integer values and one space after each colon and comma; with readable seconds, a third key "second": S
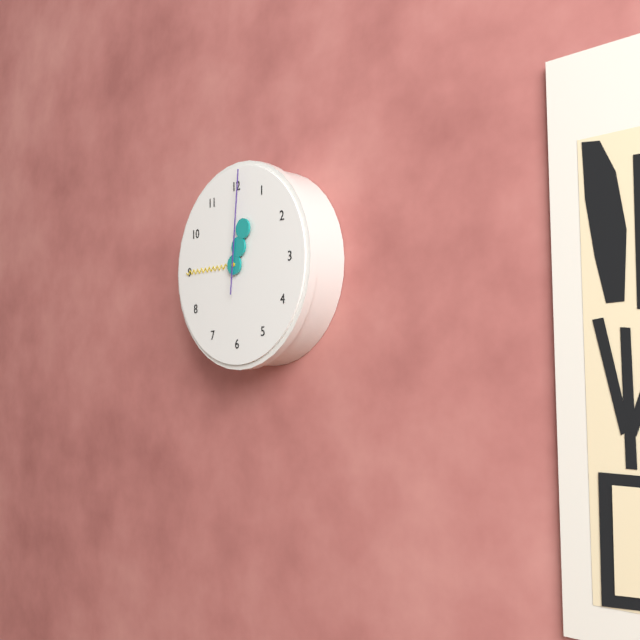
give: {"hour": 12, "minute": 45, "second": 1}
